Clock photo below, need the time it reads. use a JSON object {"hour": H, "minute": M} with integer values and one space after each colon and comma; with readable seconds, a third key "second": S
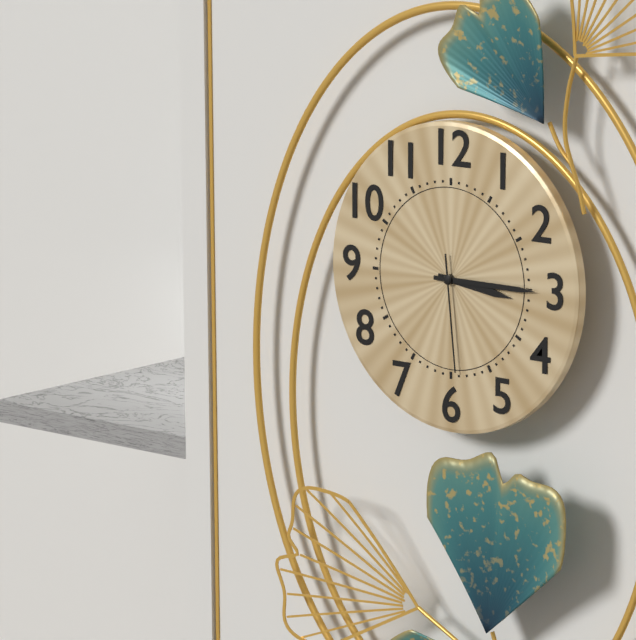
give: {"hour": 3, "minute": 15, "second": 29}
